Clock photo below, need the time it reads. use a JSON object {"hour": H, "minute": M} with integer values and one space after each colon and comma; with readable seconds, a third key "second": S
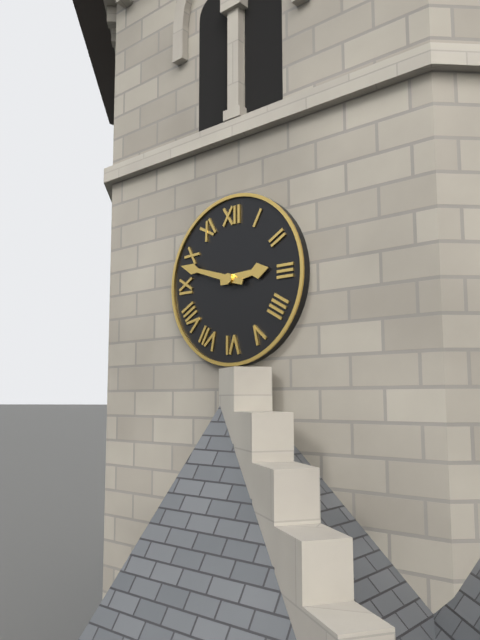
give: {"hour": 2, "minute": 48}
